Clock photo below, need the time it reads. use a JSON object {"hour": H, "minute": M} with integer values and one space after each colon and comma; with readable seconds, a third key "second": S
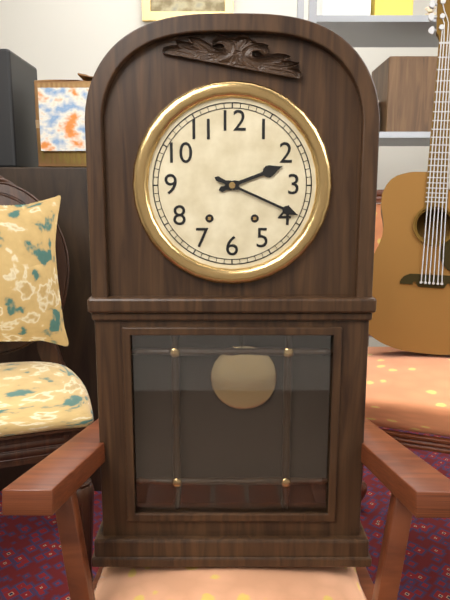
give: {"hour": 2, "minute": 19}
